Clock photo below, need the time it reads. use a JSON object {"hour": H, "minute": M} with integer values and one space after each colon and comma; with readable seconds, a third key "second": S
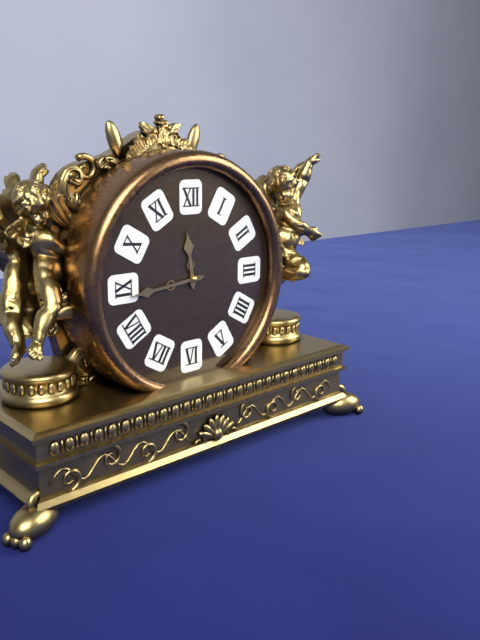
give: {"hour": 11, "minute": 44}
